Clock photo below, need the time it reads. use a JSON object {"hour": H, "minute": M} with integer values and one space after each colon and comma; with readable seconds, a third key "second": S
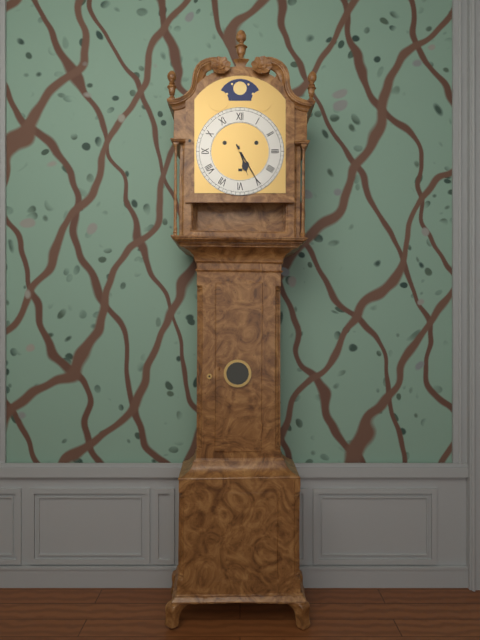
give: {"hour": 5, "minute": 25}
